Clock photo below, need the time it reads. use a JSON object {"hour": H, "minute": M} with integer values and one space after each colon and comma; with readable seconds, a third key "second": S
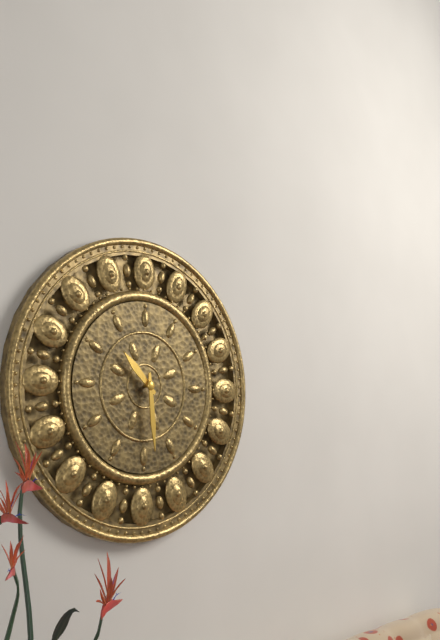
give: {"hour": 10, "minute": 29}
